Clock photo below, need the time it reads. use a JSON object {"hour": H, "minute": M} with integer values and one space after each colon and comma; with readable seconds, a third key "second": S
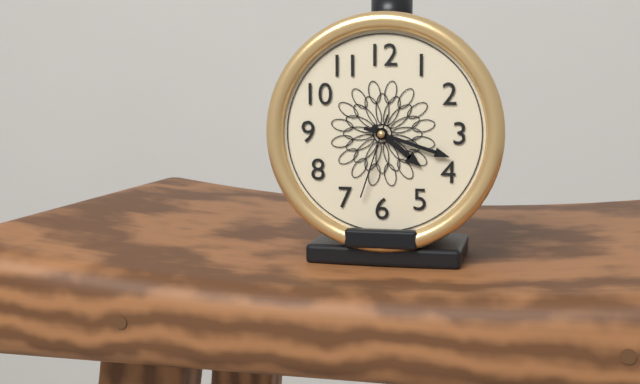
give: {"hour": 4, "minute": 18, "second": 33}
